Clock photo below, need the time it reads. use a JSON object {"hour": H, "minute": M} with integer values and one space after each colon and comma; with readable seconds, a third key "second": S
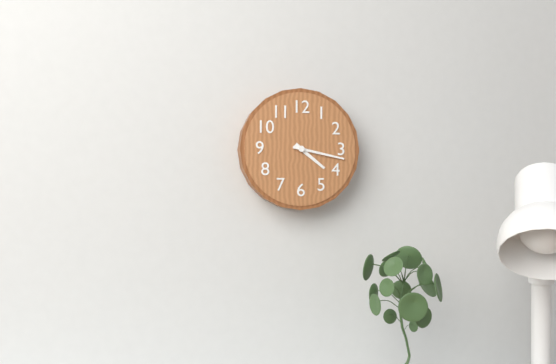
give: {"hour": 4, "minute": 17}
